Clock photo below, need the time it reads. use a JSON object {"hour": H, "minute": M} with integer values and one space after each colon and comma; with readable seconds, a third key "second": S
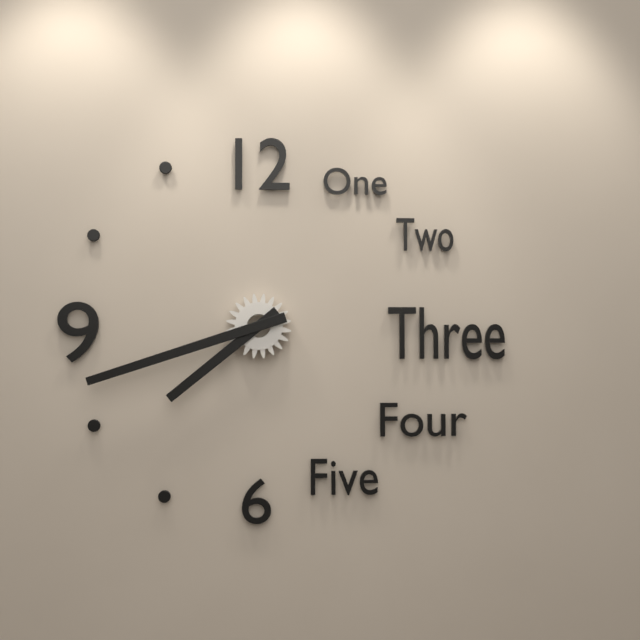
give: {"hour": 7, "minute": 42}
